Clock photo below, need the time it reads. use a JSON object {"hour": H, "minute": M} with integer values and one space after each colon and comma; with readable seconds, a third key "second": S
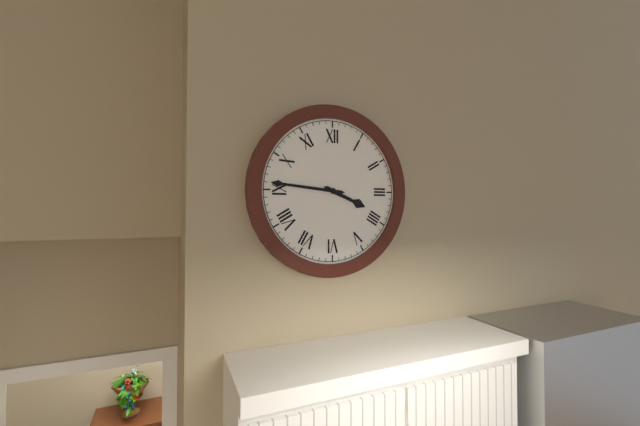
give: {"hour": 3, "minute": 46}
